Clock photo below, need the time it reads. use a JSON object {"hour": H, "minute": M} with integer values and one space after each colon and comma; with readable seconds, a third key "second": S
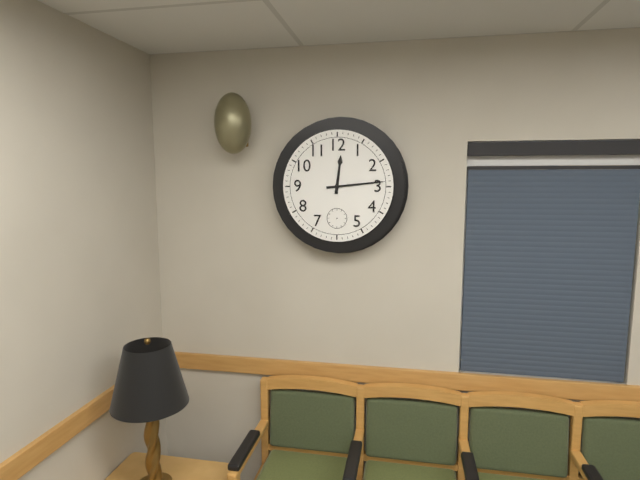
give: {"hour": 12, "minute": 14}
